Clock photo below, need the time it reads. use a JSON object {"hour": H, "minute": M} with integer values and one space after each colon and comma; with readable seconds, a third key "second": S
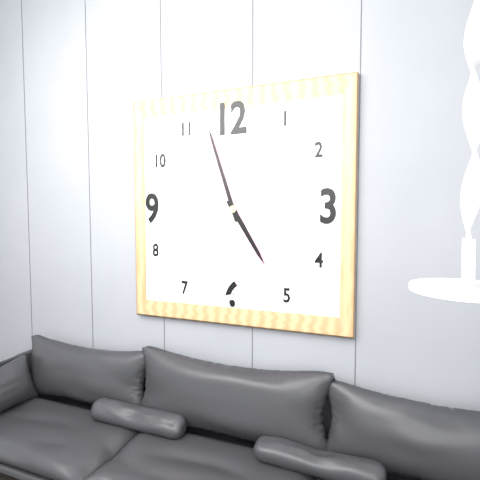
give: {"hour": 4, "minute": 57}
